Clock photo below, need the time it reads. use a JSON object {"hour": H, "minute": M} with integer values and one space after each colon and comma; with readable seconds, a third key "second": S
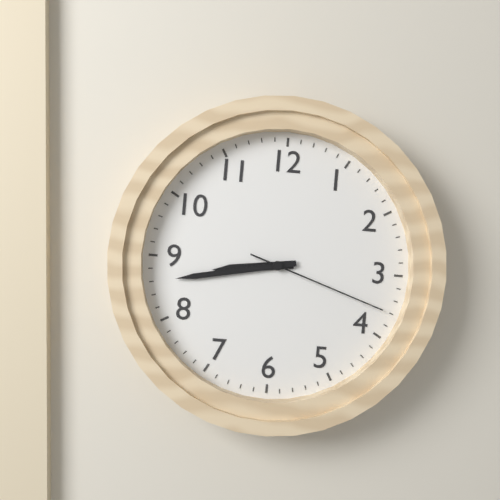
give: {"hour": 8, "minute": 43, "second": 18}
